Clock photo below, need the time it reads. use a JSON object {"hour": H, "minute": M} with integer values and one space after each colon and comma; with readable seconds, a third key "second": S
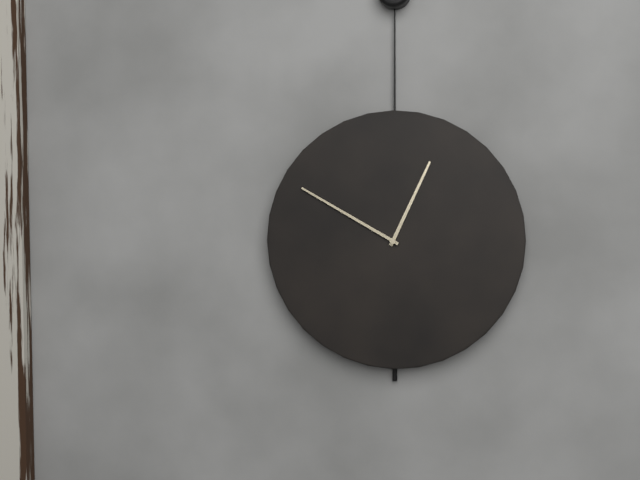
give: {"hour": 12, "minute": 50}
